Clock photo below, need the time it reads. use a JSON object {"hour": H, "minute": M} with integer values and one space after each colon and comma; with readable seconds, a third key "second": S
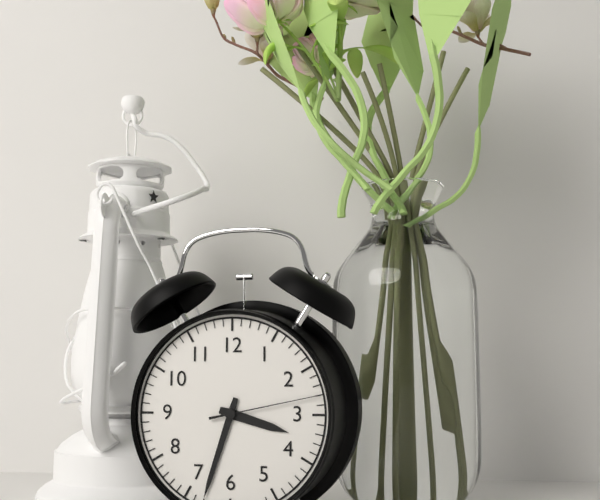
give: {"hour": 3, "minute": 33, "second": 13}
